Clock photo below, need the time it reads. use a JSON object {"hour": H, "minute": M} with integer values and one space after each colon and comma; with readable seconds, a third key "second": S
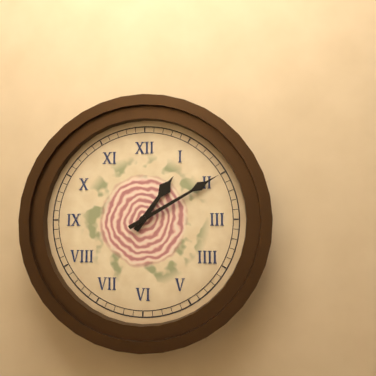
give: {"hour": 1, "minute": 10}
